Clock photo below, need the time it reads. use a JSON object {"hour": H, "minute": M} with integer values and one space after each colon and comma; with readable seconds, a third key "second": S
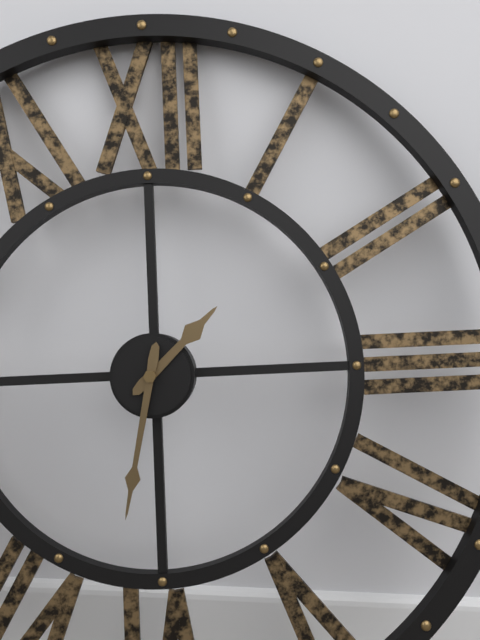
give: {"hour": 1, "minute": 32}
